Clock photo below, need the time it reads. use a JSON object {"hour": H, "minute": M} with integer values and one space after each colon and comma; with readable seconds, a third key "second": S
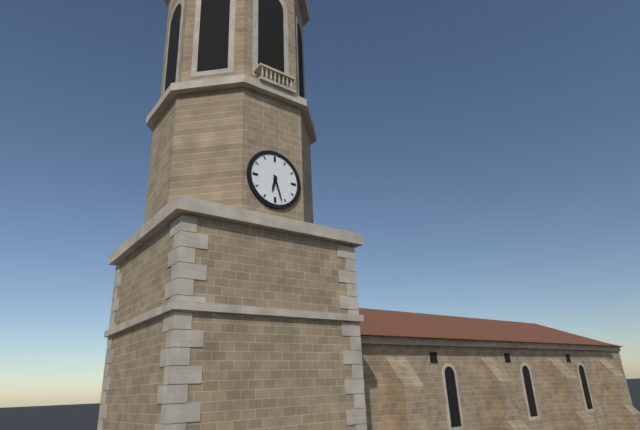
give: {"hour": 6, "minute": 27}
